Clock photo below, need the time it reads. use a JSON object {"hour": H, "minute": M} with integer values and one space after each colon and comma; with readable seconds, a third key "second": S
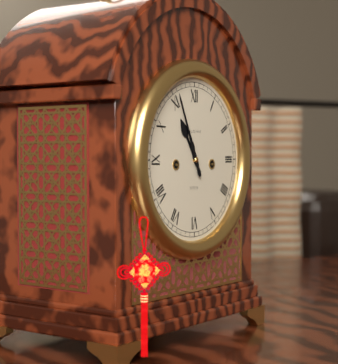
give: {"hour": 10, "minute": 56}
